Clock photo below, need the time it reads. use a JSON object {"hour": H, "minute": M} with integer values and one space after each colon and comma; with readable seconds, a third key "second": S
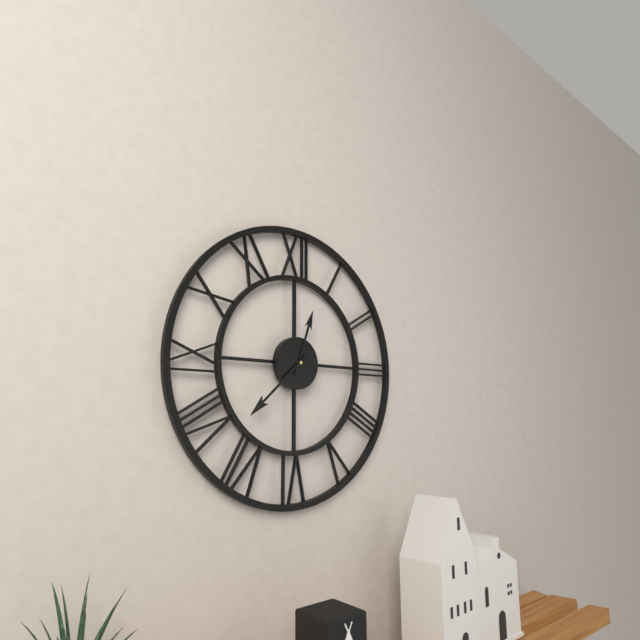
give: {"hour": 12, "minute": 38}
